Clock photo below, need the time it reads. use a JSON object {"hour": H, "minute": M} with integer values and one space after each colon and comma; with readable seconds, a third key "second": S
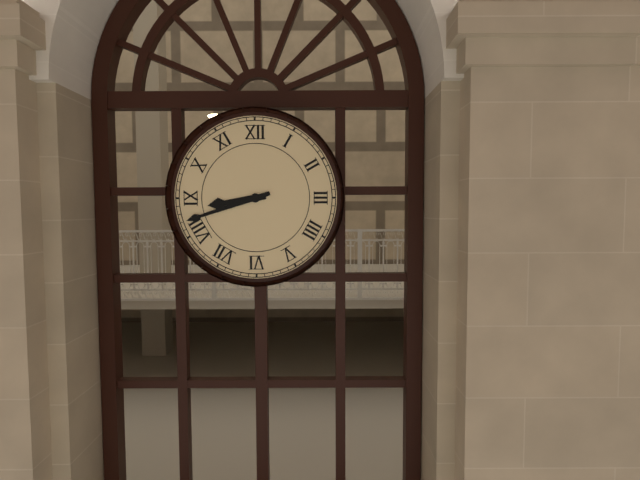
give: {"hour": 8, "minute": 42}
